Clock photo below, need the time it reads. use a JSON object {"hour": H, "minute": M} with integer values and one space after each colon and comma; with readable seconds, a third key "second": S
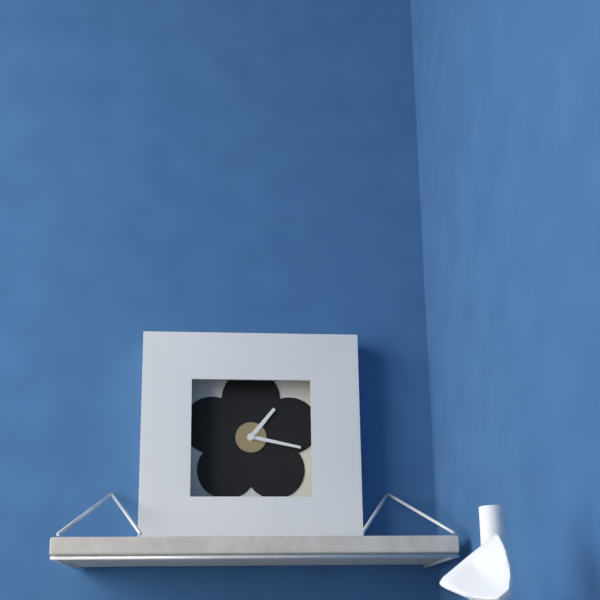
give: {"hour": 1, "minute": 17}
